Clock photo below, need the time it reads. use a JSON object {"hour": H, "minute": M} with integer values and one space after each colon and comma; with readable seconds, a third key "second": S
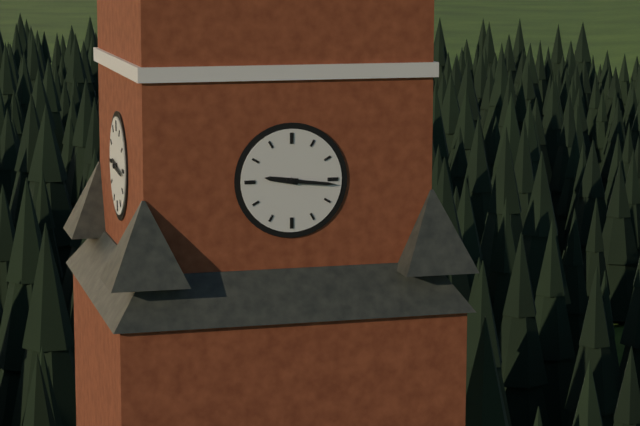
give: {"hour": 9, "minute": 16}
